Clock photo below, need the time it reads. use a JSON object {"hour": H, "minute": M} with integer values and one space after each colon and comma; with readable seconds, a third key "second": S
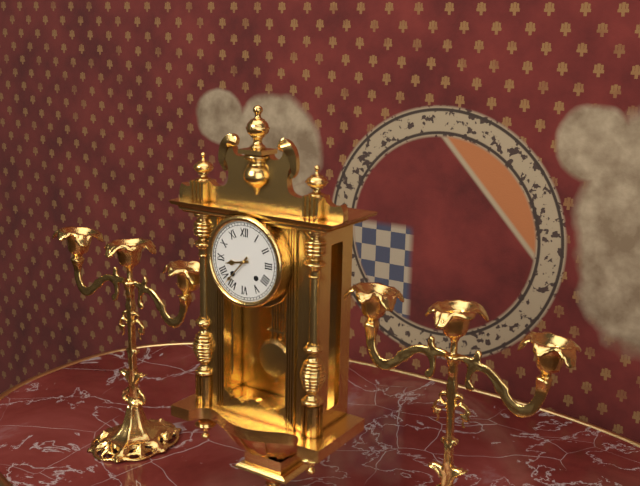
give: {"hour": 8, "minute": 37}
